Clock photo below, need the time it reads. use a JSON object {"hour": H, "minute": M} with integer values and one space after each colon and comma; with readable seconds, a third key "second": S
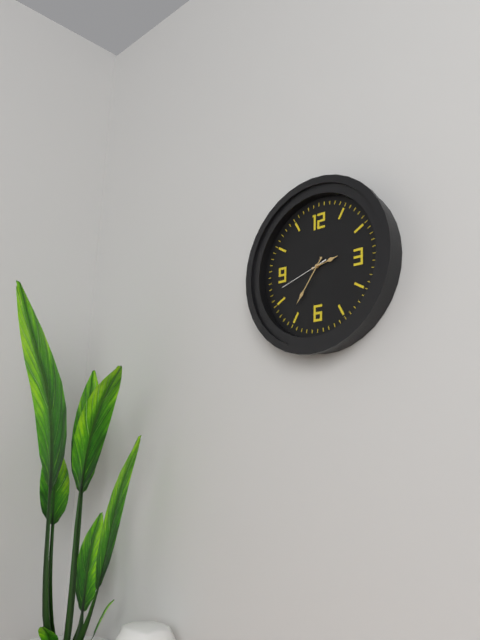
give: {"hour": 2, "minute": 36, "second": 42}
